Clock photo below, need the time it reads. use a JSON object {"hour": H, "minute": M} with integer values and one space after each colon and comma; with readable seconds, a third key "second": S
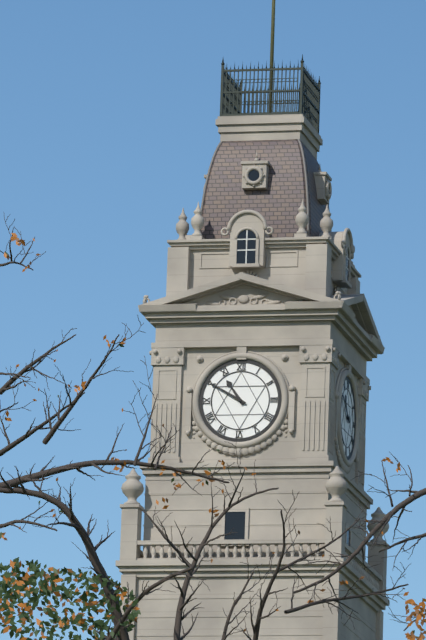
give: {"hour": 10, "minute": 50}
